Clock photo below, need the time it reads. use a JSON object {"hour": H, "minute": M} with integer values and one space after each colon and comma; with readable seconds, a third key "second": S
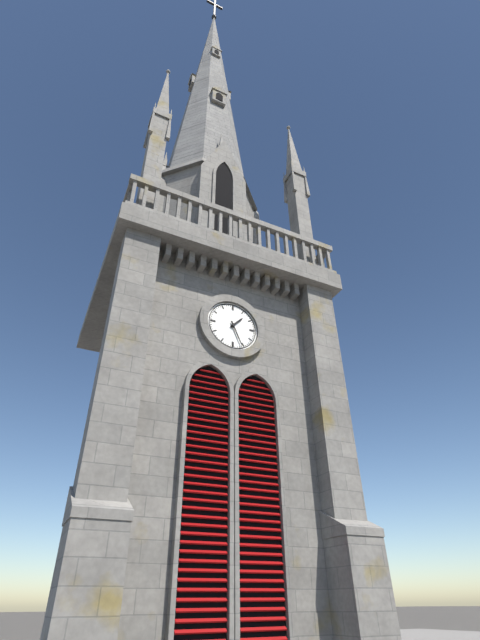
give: {"hour": 1, "minute": 26}
